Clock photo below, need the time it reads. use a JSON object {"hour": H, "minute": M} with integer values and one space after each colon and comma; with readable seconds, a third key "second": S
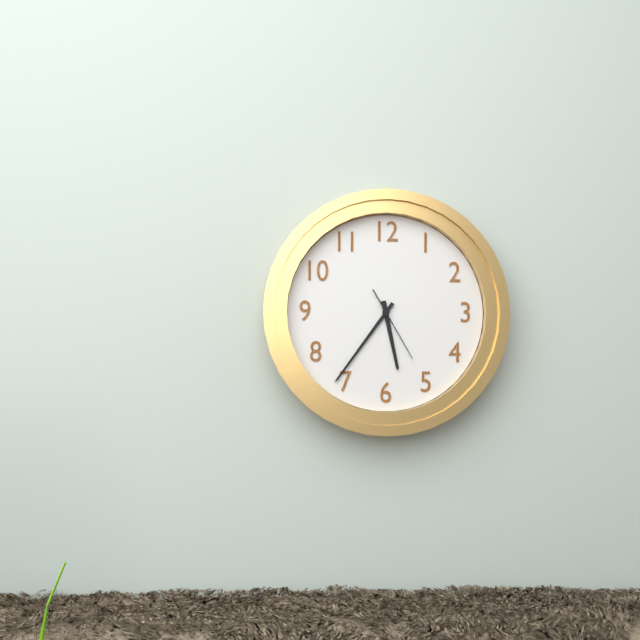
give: {"hour": 5, "minute": 36, "second": 25}
